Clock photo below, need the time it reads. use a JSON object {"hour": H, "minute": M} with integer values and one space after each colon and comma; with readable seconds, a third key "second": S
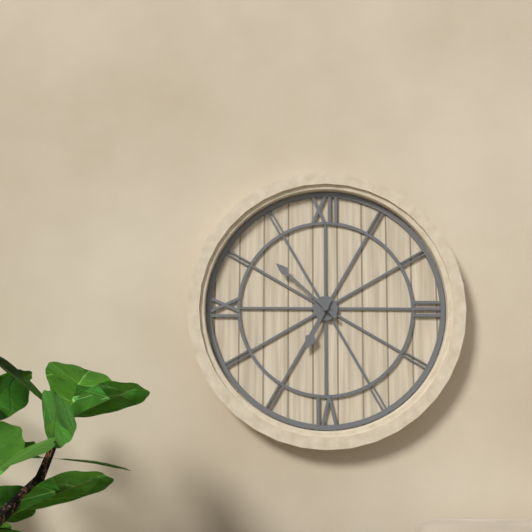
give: {"hour": 6, "minute": 52}
